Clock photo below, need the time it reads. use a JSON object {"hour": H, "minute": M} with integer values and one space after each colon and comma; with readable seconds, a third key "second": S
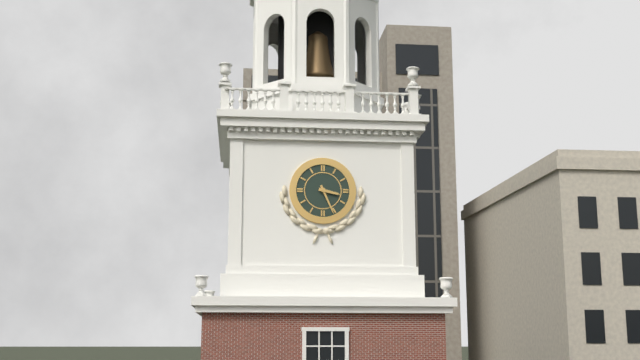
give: {"hour": 3, "minute": 26}
